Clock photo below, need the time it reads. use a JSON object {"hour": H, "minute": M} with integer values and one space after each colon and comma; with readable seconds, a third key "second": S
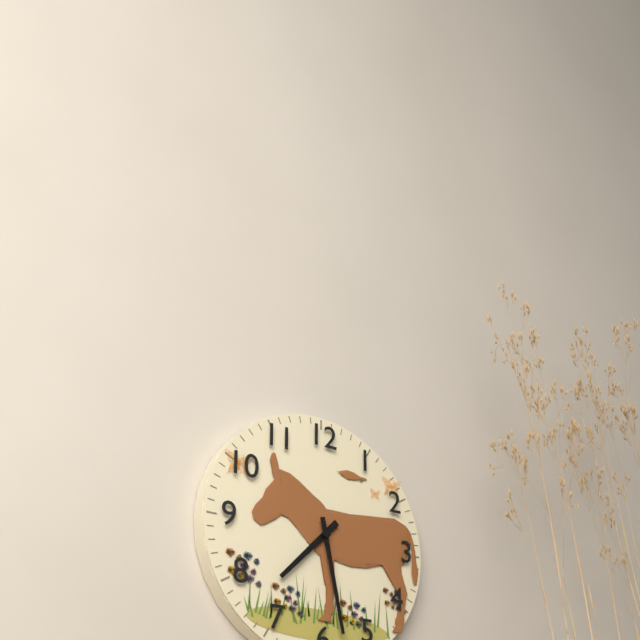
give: {"hour": 7, "minute": 28}
